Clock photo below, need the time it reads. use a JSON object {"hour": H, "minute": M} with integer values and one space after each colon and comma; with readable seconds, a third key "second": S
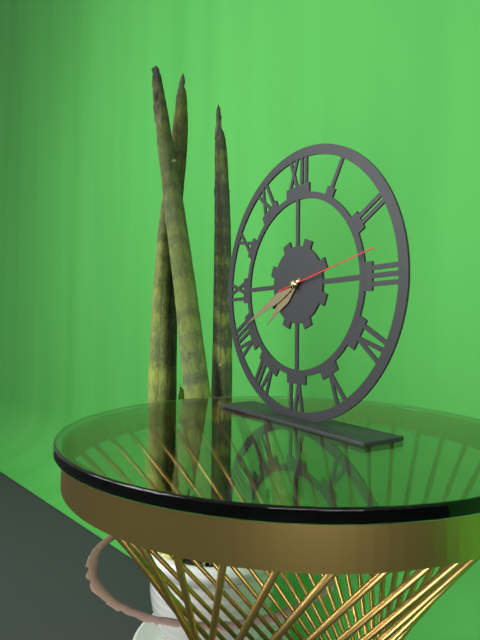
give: {"hour": 7, "minute": 41, "second": 13}
